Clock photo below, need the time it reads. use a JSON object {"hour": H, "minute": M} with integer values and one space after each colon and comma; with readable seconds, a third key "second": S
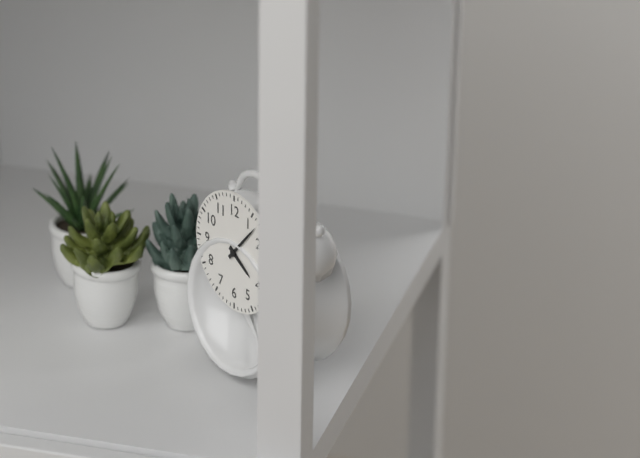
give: {"hour": 4, "minute": 7}
